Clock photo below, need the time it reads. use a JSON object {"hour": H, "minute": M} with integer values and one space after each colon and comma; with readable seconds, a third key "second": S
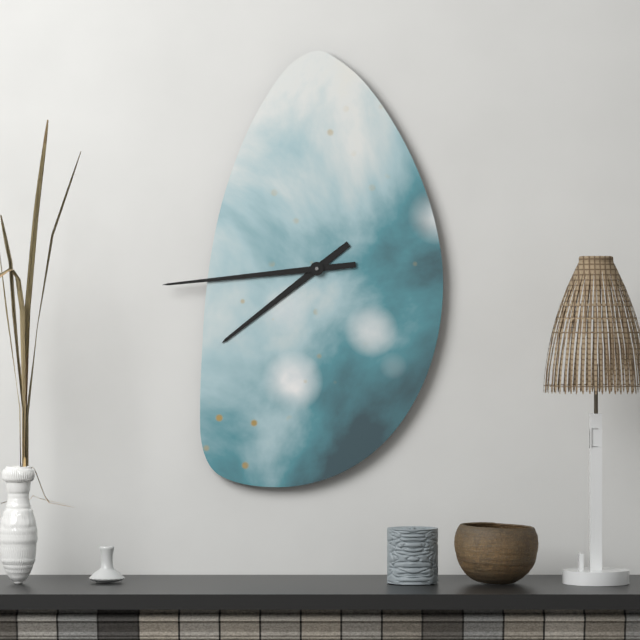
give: {"hour": 7, "minute": 44}
